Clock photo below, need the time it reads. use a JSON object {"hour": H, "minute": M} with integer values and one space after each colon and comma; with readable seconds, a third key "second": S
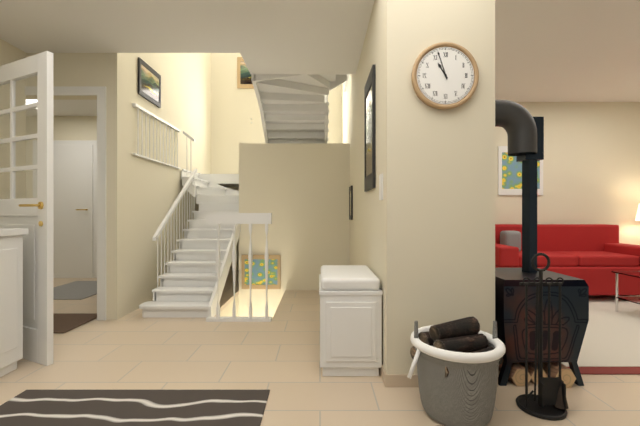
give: {"hour": 10, "minute": 57}
